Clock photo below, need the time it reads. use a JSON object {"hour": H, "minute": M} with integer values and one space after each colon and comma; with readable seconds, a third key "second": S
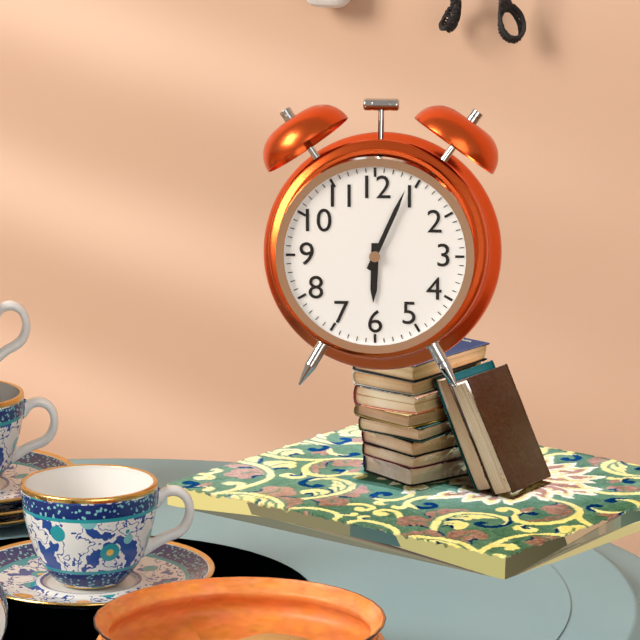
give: {"hour": 6, "minute": 4}
